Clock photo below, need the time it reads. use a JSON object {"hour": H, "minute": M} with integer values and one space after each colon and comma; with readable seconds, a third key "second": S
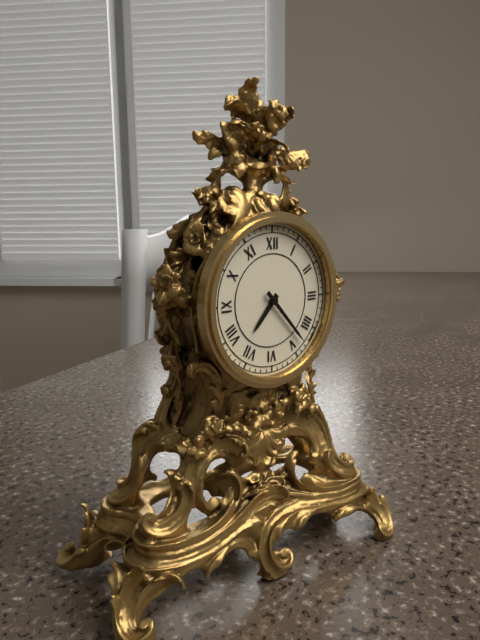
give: {"hour": 7, "minute": 23}
